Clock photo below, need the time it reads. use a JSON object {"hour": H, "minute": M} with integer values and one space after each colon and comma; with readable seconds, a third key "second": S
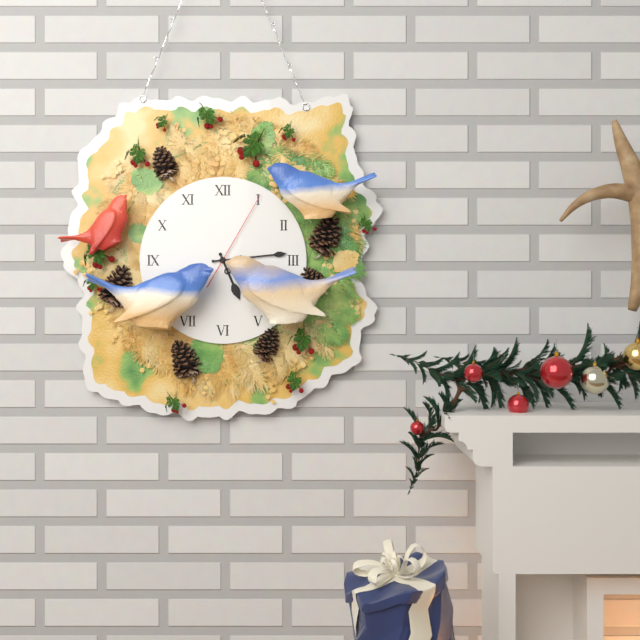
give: {"hour": 5, "minute": 14, "second": 5}
